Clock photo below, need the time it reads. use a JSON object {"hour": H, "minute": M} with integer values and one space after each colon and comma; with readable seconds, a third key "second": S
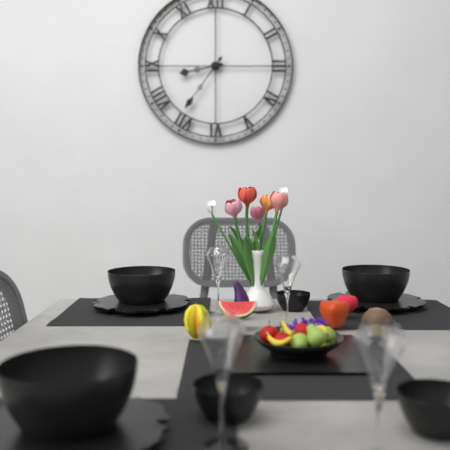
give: {"hour": 8, "minute": 36}
